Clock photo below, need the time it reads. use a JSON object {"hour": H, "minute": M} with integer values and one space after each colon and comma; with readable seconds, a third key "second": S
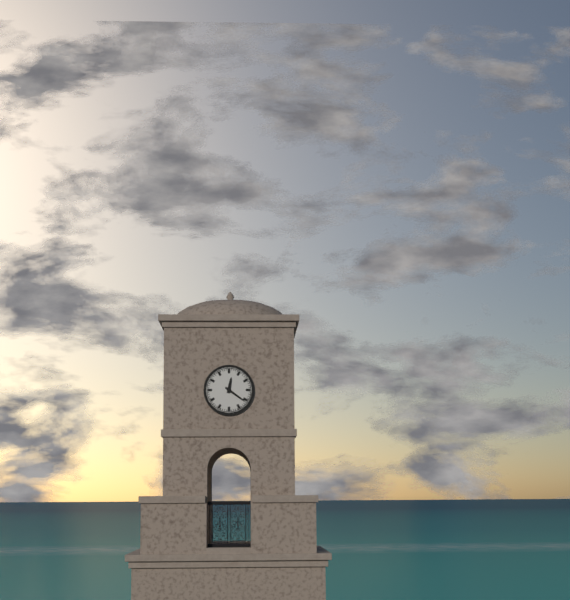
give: {"hour": 12, "minute": 21}
